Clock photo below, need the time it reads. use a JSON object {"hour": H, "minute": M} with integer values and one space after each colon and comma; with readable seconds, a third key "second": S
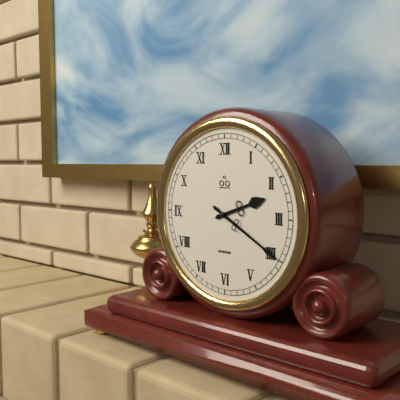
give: {"hour": 2, "minute": 20}
